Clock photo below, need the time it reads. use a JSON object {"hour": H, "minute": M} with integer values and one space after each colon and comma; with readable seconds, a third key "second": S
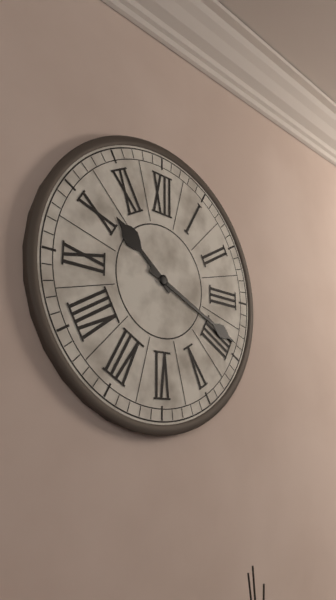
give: {"hour": 10, "minute": 19}
